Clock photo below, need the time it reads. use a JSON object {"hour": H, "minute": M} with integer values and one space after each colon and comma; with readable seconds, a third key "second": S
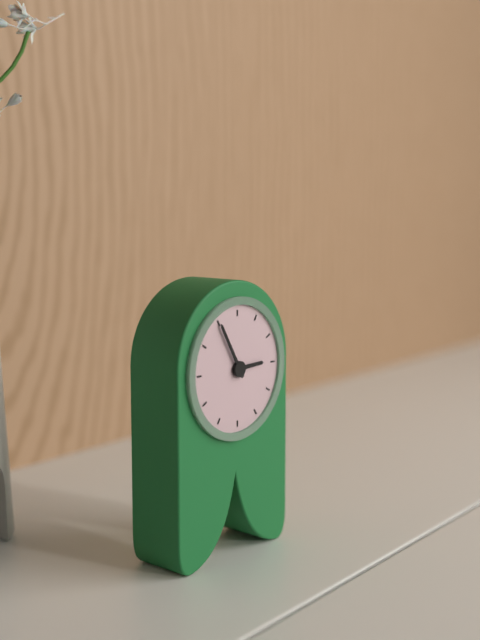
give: {"hour": 2, "minute": 55}
